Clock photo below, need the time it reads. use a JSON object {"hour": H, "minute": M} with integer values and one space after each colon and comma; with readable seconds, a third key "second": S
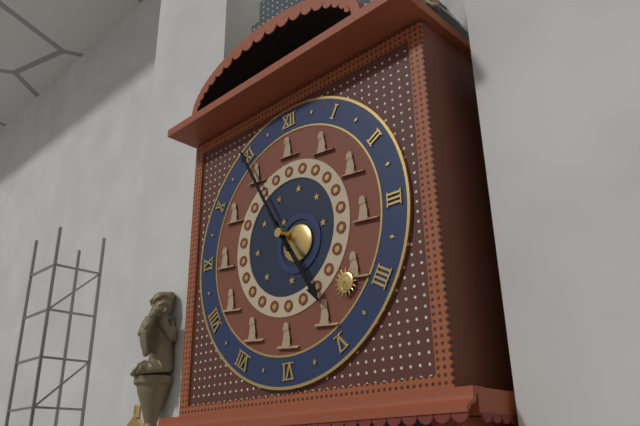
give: {"hour": 4, "minute": 55}
